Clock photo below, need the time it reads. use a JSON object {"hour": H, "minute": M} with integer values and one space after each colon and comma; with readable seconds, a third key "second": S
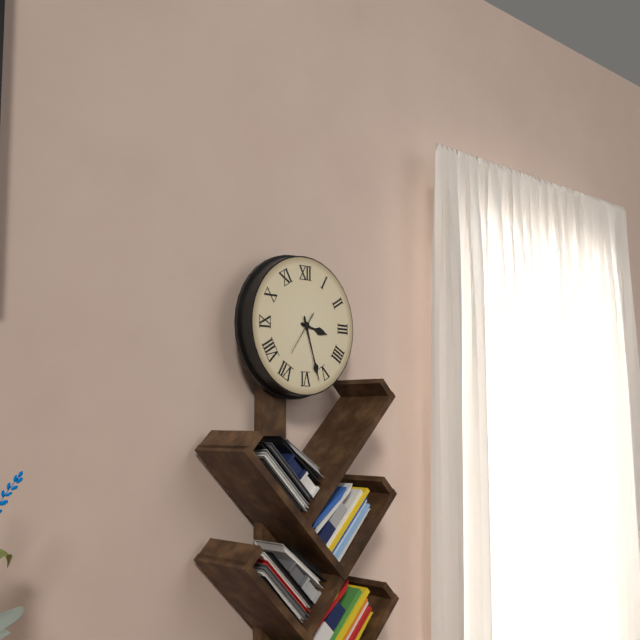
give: {"hour": 3, "minute": 27}
